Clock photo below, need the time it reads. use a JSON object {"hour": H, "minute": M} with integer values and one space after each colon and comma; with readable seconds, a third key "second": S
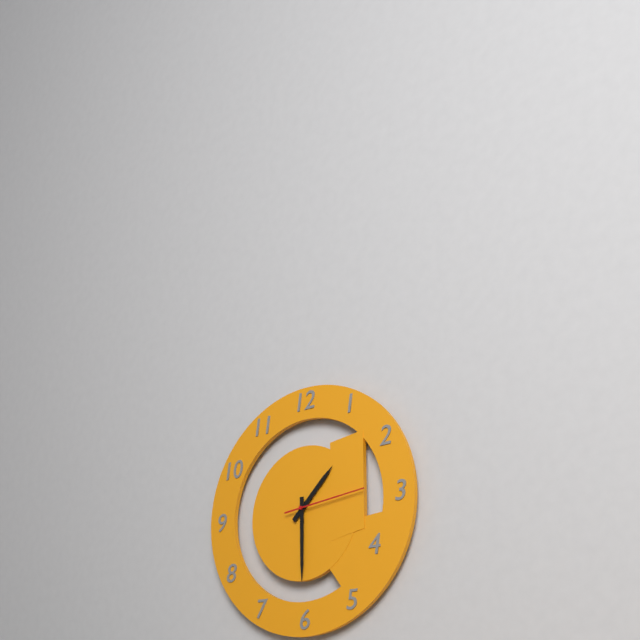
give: {"hour": 1, "minute": 30, "second": 14}
